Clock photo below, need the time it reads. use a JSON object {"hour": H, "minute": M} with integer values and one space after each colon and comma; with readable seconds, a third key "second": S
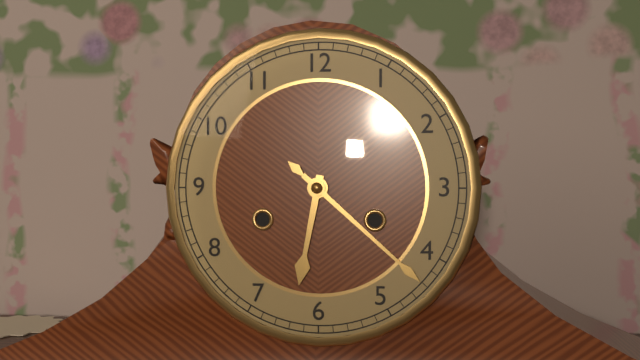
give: {"hour": 6, "minute": 22}
